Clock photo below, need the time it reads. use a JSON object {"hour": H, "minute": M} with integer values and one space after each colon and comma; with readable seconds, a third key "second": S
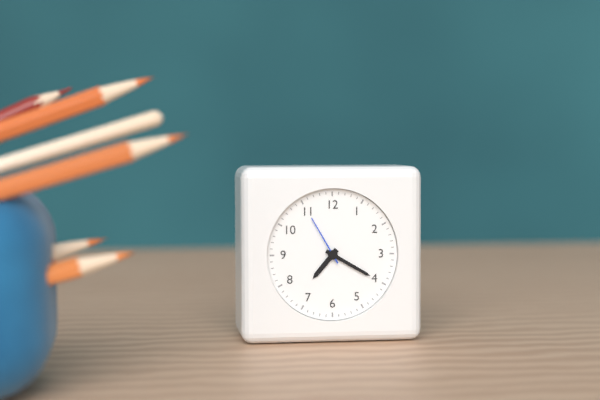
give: {"hour": 7, "minute": 20, "second": 55}
